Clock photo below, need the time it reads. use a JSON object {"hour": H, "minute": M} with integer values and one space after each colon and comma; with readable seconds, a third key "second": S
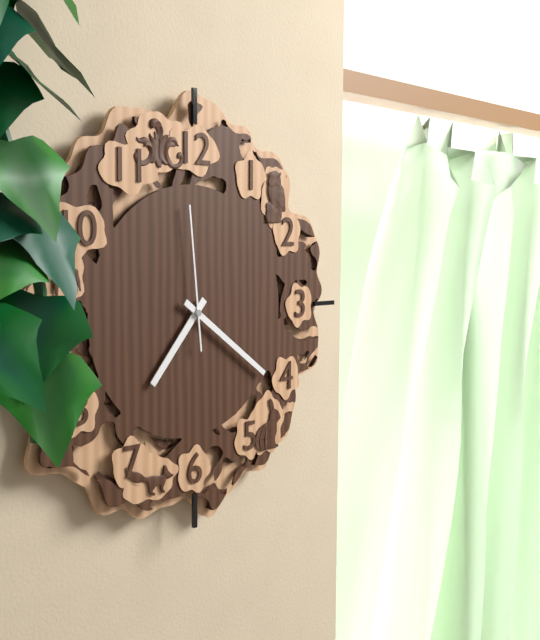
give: {"hour": 7, "minute": 21, "second": 59}
